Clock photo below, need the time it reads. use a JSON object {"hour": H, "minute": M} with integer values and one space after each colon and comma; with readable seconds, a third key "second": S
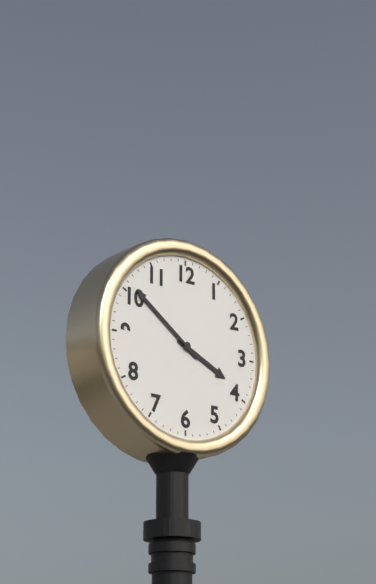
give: {"hour": 3, "minute": 51}
